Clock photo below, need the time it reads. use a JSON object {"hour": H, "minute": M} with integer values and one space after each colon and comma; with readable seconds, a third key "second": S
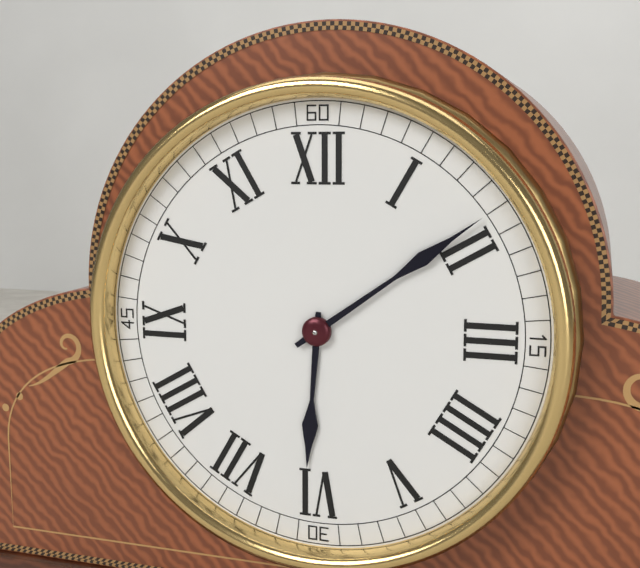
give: {"hour": 6, "minute": 9}
